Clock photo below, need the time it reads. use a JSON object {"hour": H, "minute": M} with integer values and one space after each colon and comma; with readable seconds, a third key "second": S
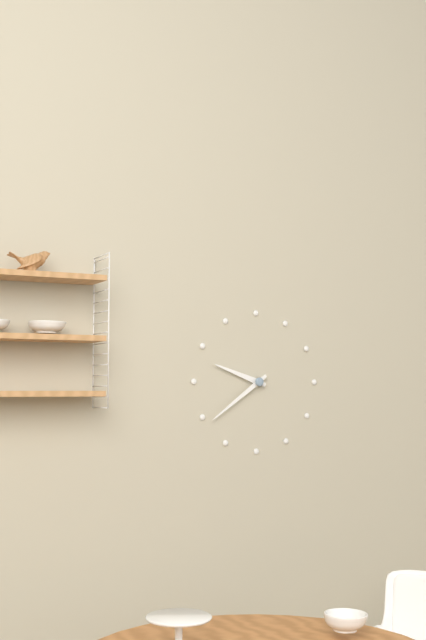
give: {"hour": 9, "minute": 39}
